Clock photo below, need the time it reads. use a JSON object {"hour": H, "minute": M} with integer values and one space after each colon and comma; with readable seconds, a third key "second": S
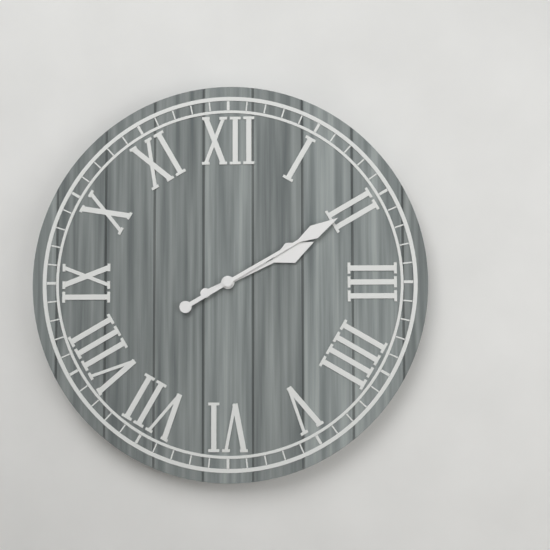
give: {"hour": 2, "minute": 10}
